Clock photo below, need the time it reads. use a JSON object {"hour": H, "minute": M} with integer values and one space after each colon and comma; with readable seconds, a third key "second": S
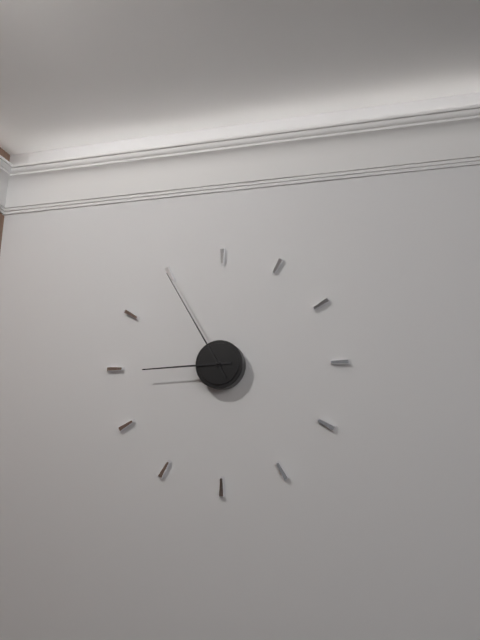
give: {"hour": 8, "minute": 55}
